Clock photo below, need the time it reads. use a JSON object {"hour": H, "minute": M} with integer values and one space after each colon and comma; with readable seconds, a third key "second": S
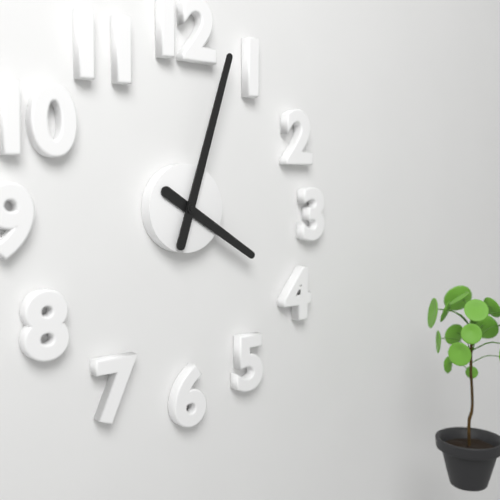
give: {"hour": 4, "minute": 3}
